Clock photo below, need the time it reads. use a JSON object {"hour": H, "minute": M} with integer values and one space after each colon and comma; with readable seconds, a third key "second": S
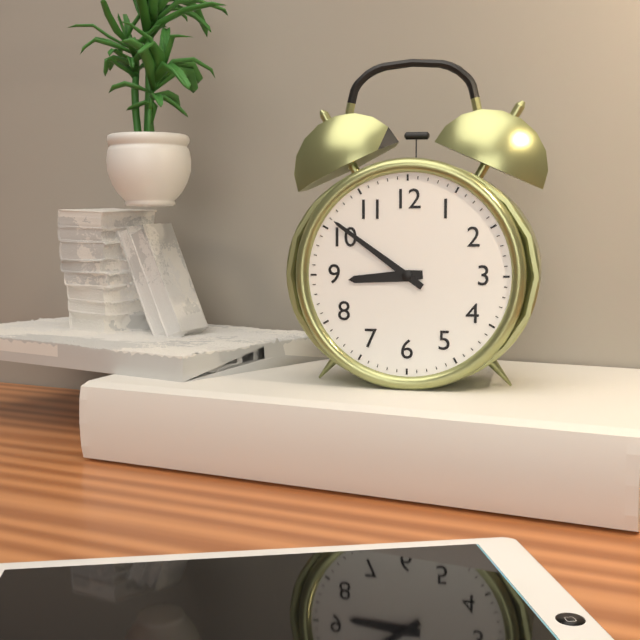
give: {"hour": 8, "minute": 51}
